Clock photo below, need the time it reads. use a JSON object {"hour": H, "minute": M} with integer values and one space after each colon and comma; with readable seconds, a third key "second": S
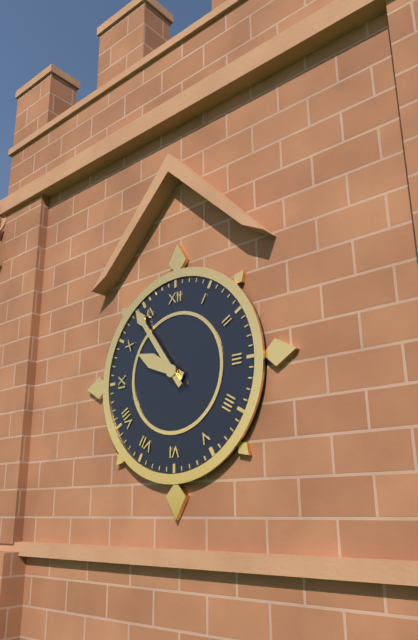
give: {"hour": 9, "minute": 54}
